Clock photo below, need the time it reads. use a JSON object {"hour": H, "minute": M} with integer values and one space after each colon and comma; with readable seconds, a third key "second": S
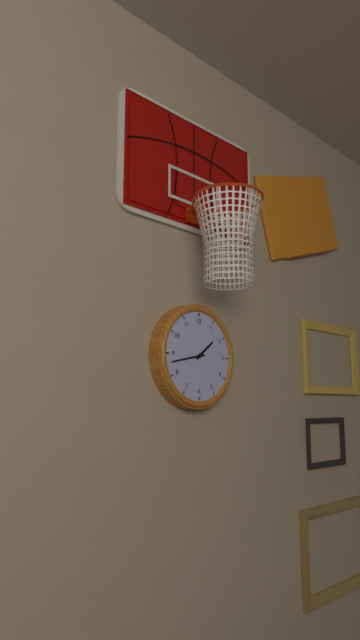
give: {"hour": 1, "minute": 43}
